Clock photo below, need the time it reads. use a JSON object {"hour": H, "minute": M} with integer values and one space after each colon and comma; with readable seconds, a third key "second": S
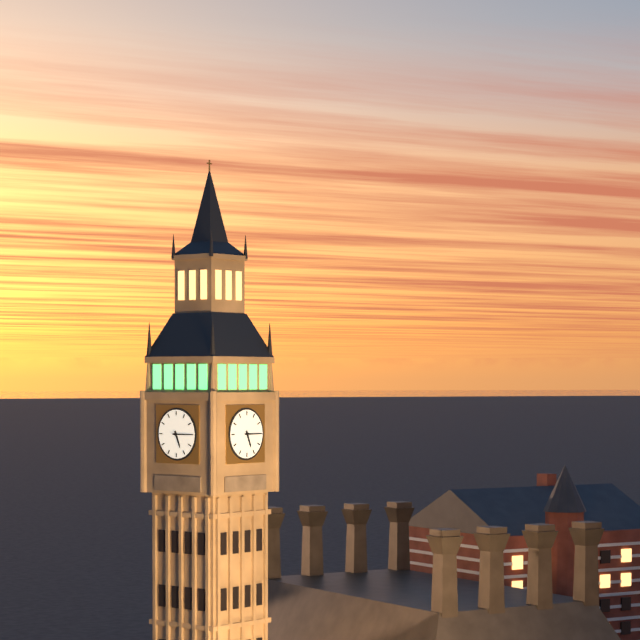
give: {"hour": 5, "minute": 15}
